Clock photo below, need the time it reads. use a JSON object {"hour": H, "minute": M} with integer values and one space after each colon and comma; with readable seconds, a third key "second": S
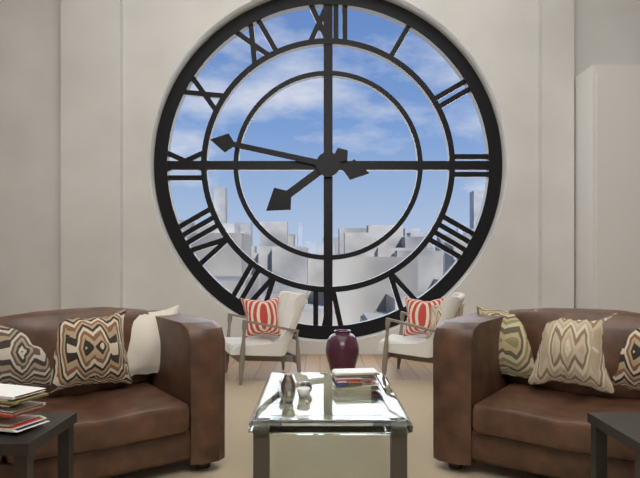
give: {"hour": 7, "minute": 47}
